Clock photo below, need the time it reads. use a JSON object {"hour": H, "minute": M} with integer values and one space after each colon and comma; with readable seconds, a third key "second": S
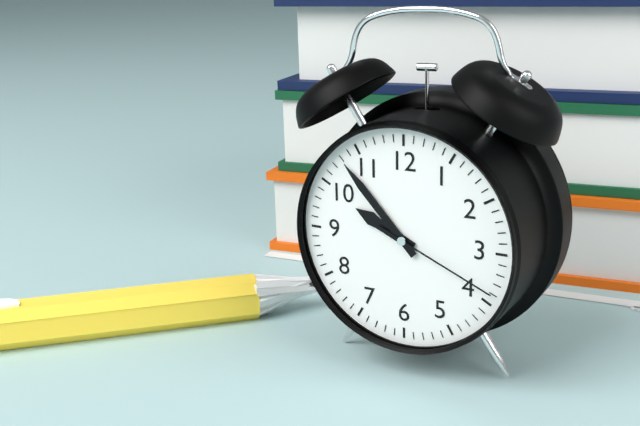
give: {"hour": 9, "minute": 53, "second": 19}
